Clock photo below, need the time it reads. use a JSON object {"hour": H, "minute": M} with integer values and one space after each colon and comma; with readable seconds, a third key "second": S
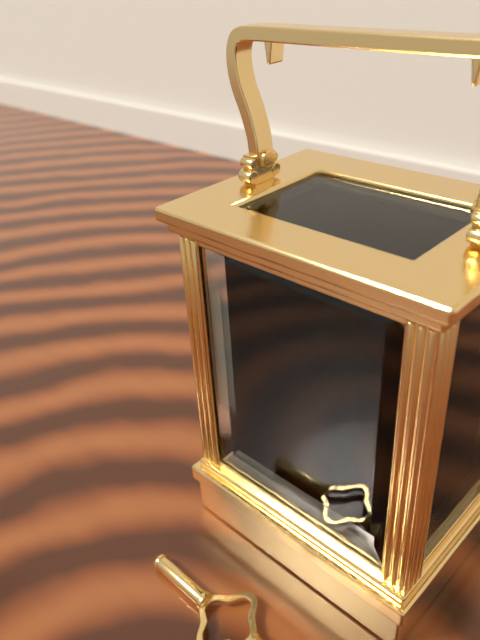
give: {"hour": 6, "minute": 5}
